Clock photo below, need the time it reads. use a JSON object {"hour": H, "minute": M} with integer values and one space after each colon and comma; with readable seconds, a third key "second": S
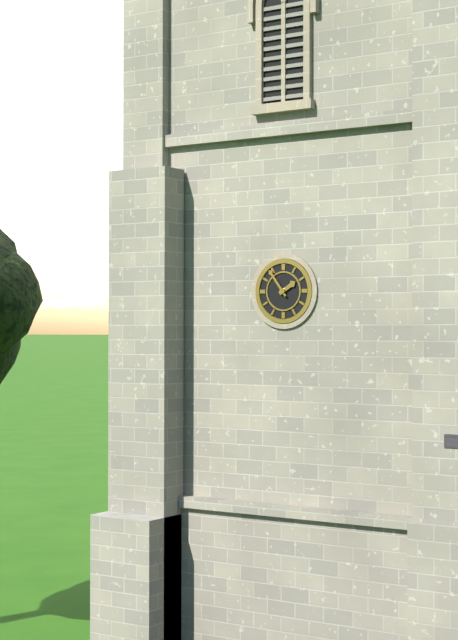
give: {"hour": 1, "minute": 54}
